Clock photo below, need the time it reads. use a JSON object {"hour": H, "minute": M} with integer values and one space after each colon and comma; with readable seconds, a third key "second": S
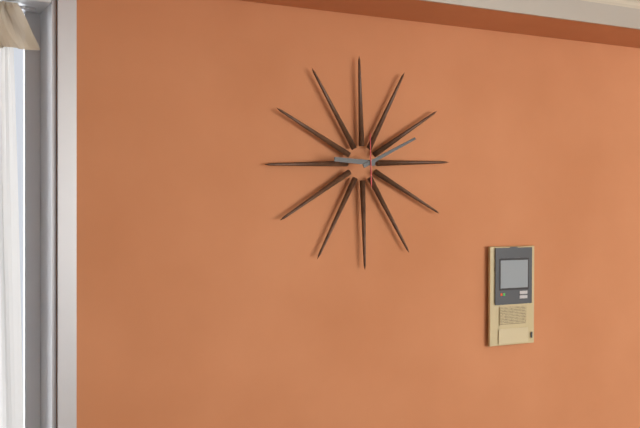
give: {"hour": 9, "minute": 11}
